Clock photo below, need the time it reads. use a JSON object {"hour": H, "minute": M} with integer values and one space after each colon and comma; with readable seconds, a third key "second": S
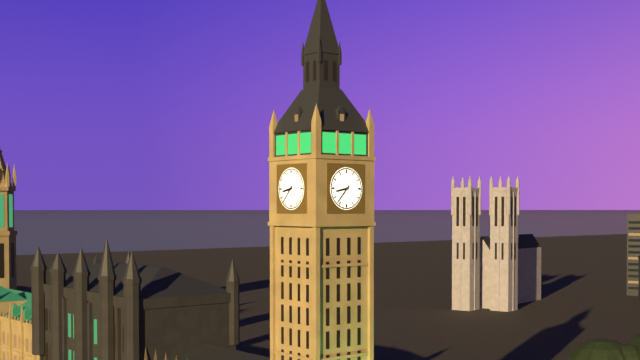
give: {"hour": 8, "minute": 37}
